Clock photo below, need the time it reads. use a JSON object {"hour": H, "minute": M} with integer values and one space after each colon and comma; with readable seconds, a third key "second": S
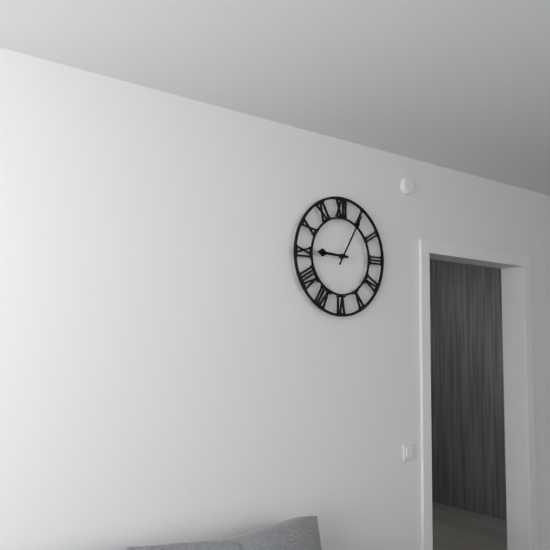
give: {"hour": 9, "minute": 5}
